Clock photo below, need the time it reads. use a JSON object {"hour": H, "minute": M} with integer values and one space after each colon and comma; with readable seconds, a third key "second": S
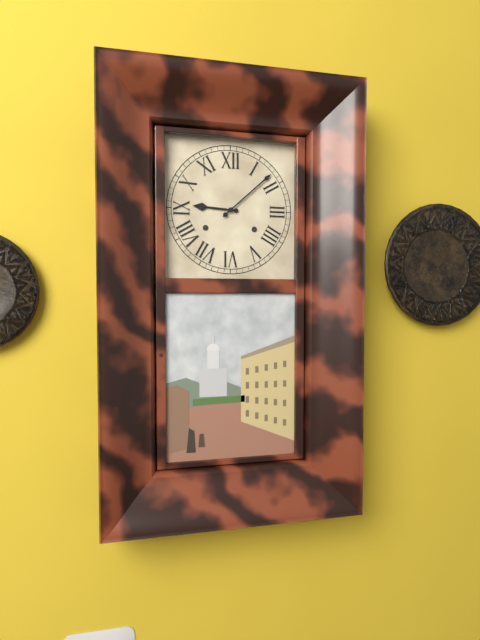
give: {"hour": 9, "minute": 8}
